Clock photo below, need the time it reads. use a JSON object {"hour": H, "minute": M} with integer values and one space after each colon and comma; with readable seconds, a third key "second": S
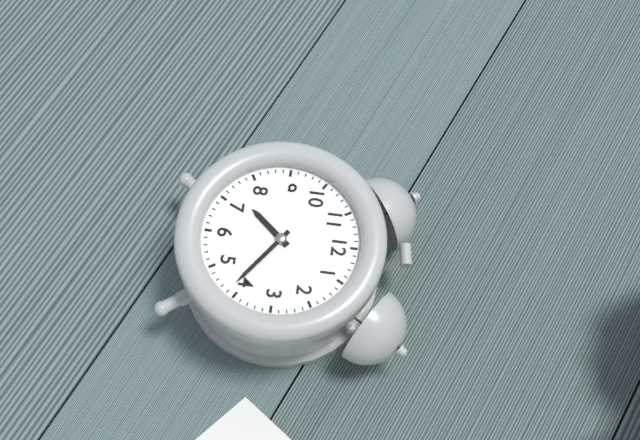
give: {"hour": 7, "minute": 21}
